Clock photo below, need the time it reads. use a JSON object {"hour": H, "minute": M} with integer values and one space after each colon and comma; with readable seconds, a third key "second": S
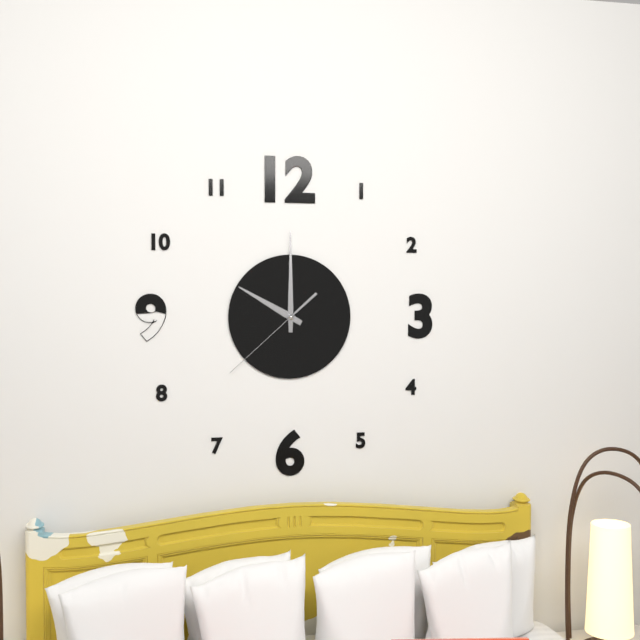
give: {"hour": 10, "minute": 0, "second": 38}
